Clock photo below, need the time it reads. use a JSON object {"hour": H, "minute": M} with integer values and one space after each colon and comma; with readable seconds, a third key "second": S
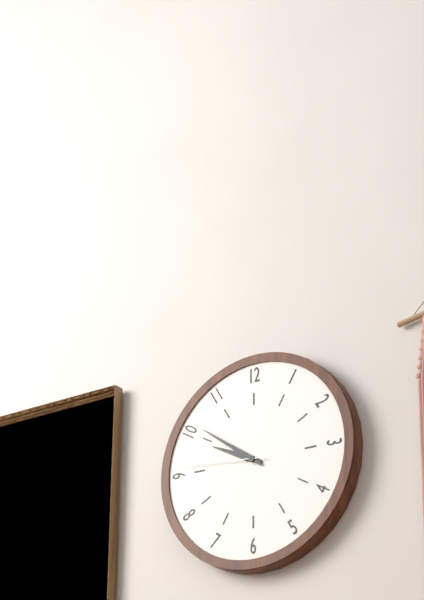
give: {"hour": 9, "minute": 51, "second": 46}
